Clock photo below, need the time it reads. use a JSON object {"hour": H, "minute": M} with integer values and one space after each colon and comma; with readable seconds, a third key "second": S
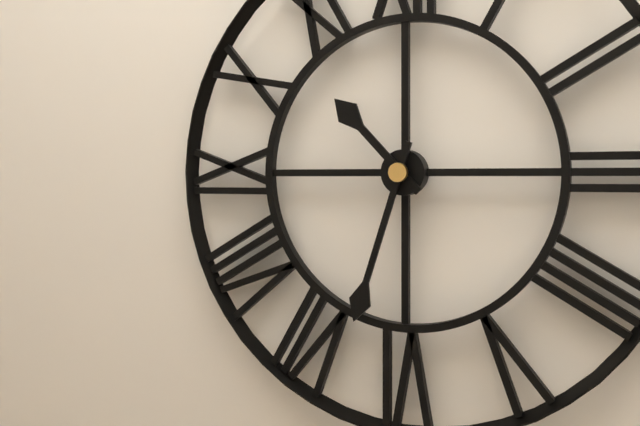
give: {"hour": 10, "minute": 33}
